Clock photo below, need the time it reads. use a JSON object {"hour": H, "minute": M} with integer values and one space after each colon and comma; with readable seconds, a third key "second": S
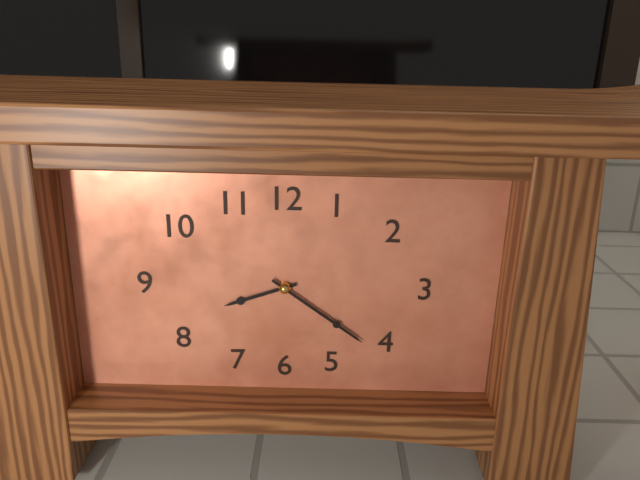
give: {"hour": 8, "minute": 21}
